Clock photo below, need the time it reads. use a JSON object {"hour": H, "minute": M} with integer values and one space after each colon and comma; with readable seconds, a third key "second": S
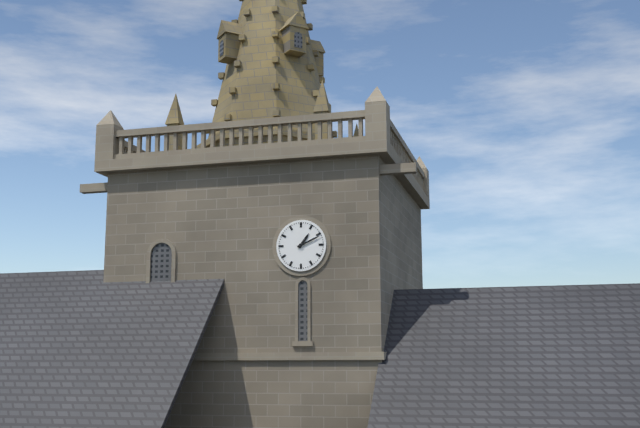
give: {"hour": 1, "minute": 11}
